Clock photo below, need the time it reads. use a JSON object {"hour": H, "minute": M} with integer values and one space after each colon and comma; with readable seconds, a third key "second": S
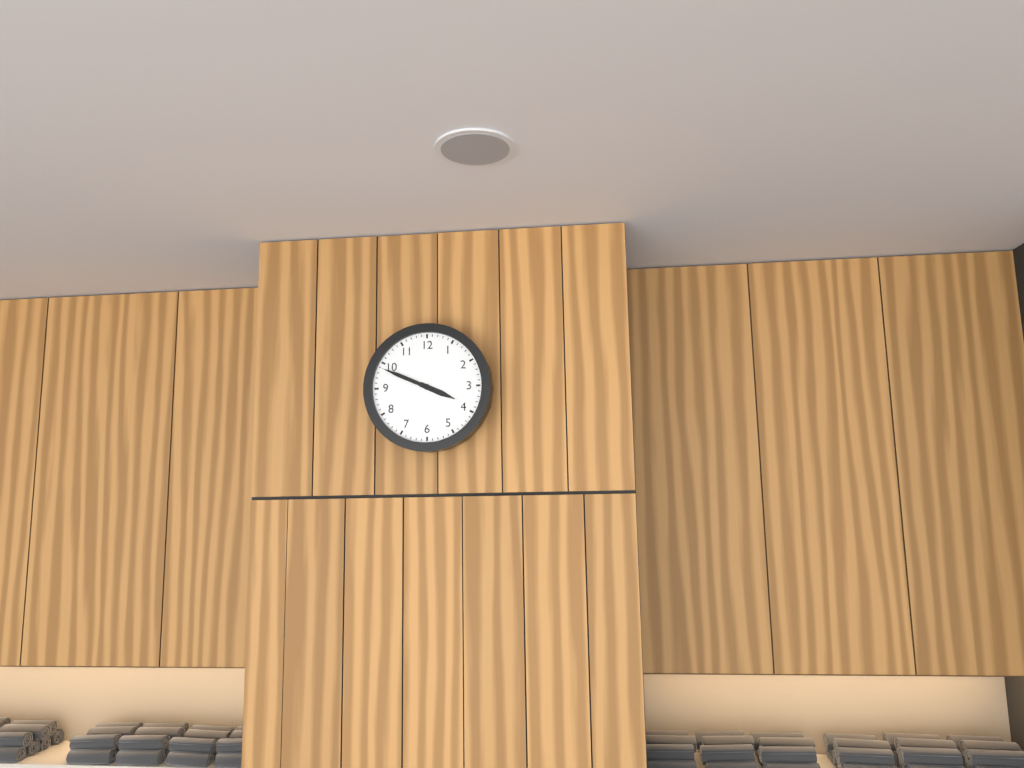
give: {"hour": 3, "minute": 49}
